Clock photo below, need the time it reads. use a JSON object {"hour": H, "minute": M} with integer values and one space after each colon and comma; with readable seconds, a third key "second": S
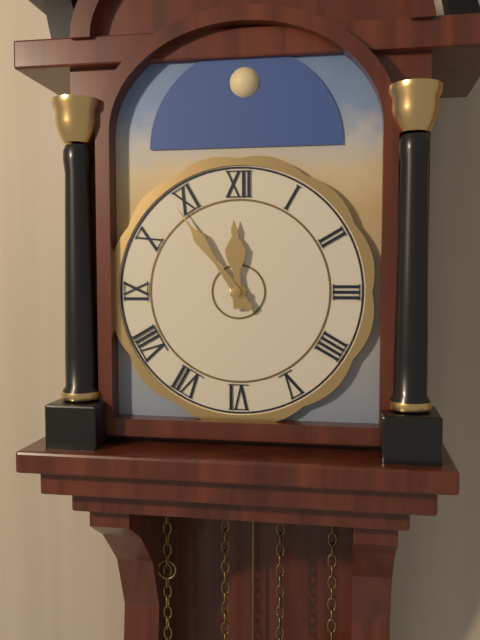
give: {"hour": 11, "minute": 54}
